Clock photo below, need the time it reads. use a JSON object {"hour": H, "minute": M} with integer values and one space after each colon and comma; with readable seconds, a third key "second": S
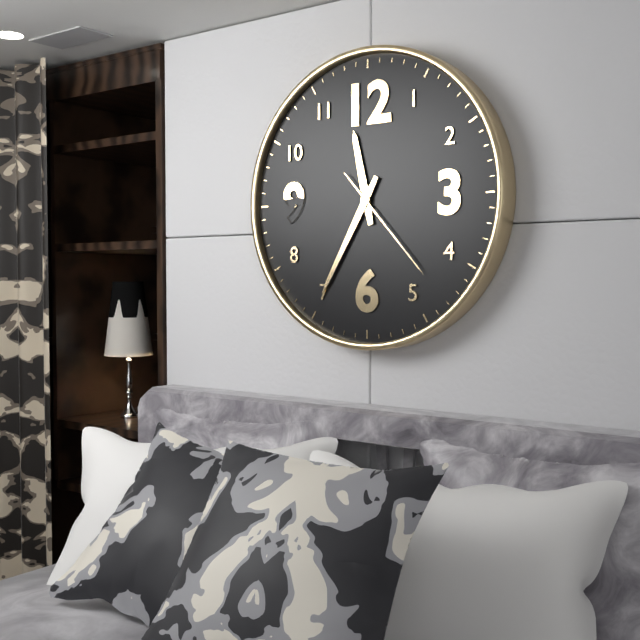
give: {"hour": 11, "minute": 35, "second": 23}
